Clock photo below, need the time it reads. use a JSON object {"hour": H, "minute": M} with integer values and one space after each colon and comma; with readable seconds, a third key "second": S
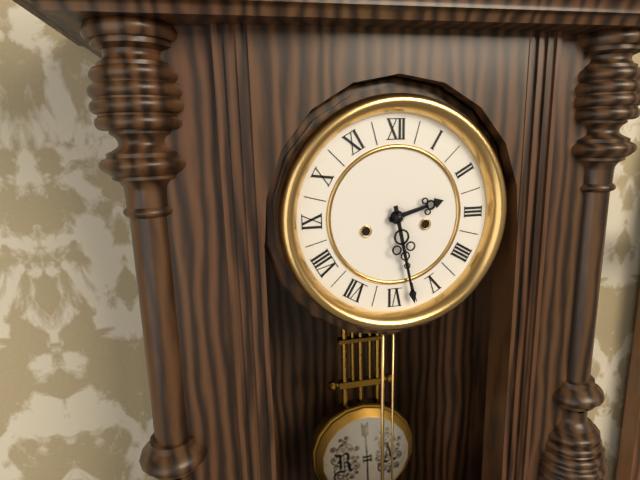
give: {"hour": 2, "minute": 28}
